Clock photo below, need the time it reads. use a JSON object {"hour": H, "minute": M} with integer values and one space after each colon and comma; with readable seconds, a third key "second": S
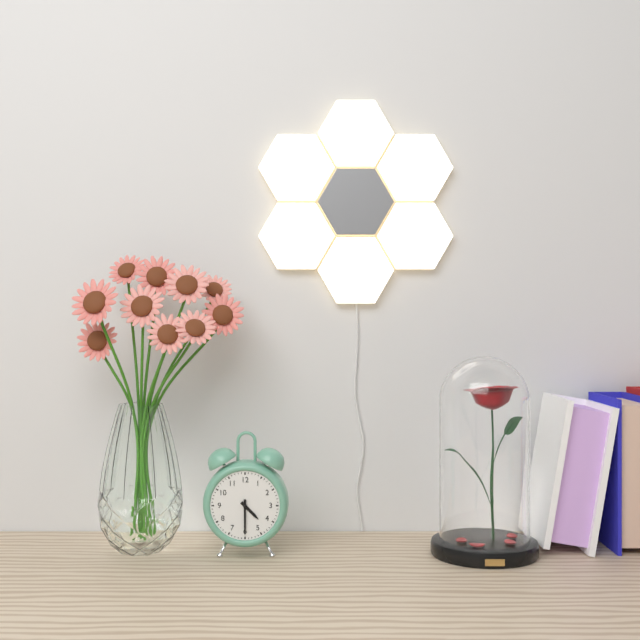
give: {"hour": 4, "minute": 30}
